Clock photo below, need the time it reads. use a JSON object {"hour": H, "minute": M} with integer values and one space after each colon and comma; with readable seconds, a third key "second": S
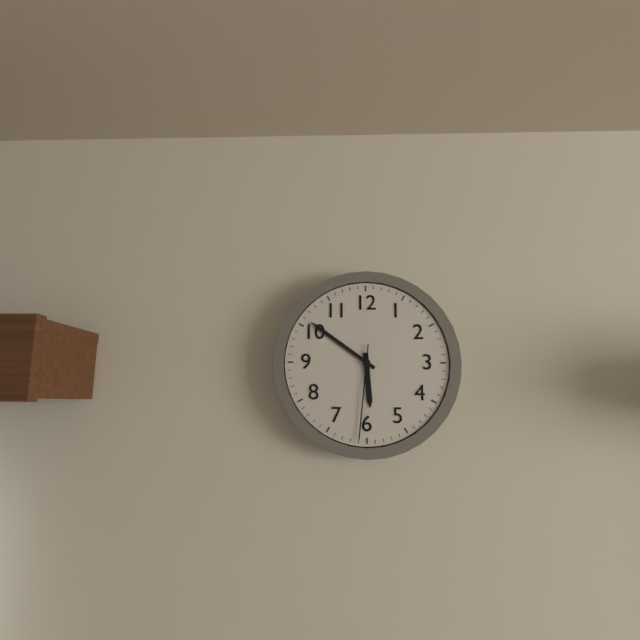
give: {"hour": 5, "minute": 51, "second": 31}
